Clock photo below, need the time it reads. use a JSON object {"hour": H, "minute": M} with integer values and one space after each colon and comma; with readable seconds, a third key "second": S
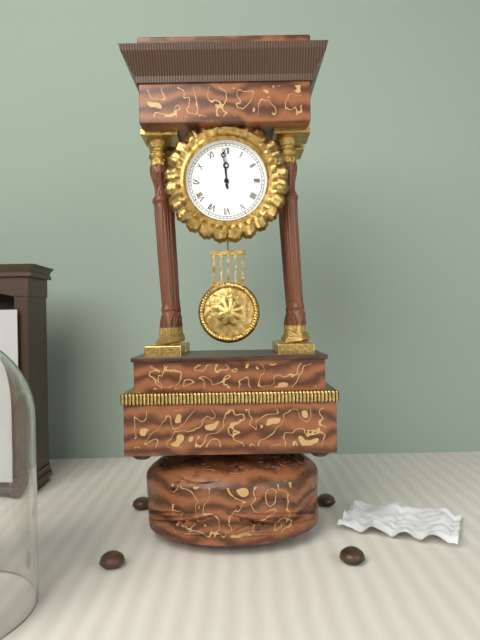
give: {"hour": 11, "minute": 59}
